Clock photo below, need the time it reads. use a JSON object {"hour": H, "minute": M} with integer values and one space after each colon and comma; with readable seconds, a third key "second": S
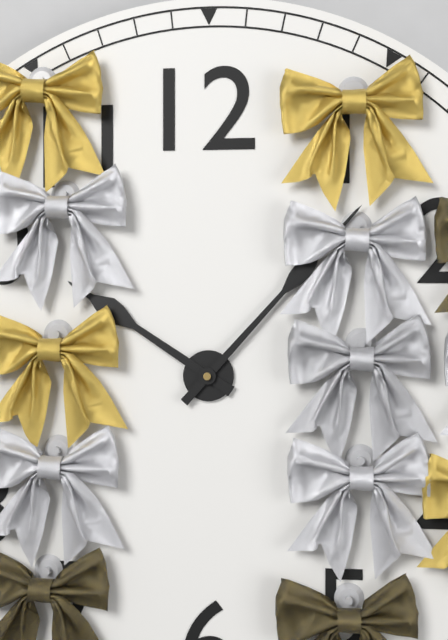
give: {"hour": 10, "minute": 7}
